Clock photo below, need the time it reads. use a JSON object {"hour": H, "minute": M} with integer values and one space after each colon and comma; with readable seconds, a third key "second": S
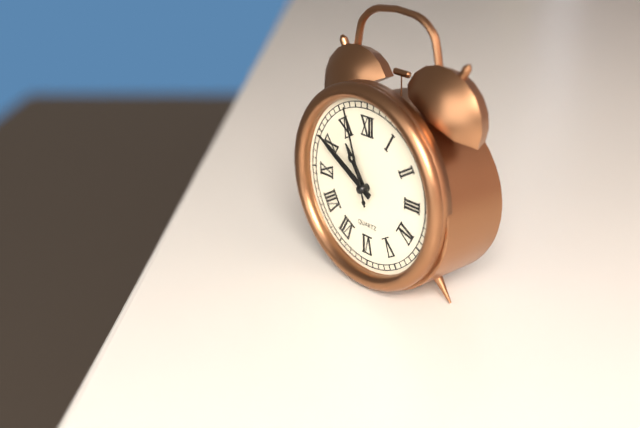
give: {"hour": 10, "minute": 50, "second": 57}
